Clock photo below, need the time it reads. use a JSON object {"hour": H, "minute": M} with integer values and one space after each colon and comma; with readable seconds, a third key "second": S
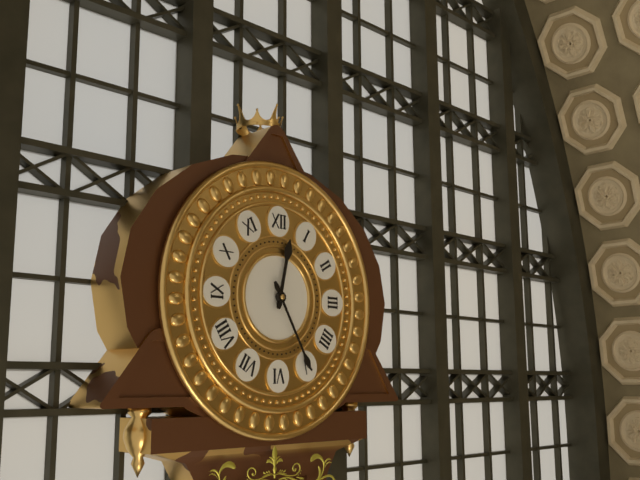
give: {"hour": 12, "minute": 25}
